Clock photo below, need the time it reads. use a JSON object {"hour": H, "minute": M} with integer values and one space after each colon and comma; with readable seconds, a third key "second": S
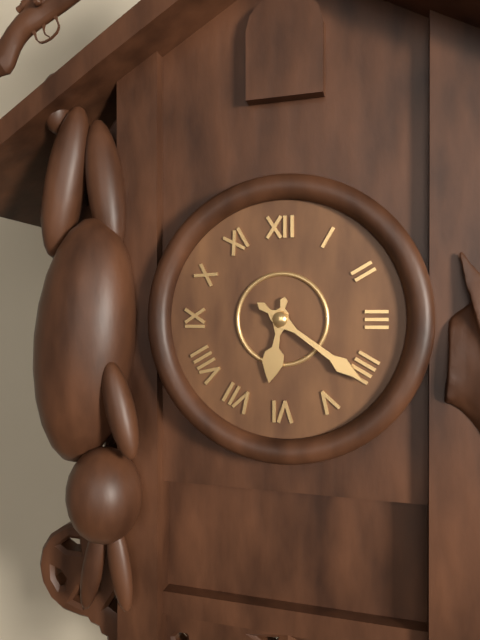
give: {"hour": 6, "minute": 21}
